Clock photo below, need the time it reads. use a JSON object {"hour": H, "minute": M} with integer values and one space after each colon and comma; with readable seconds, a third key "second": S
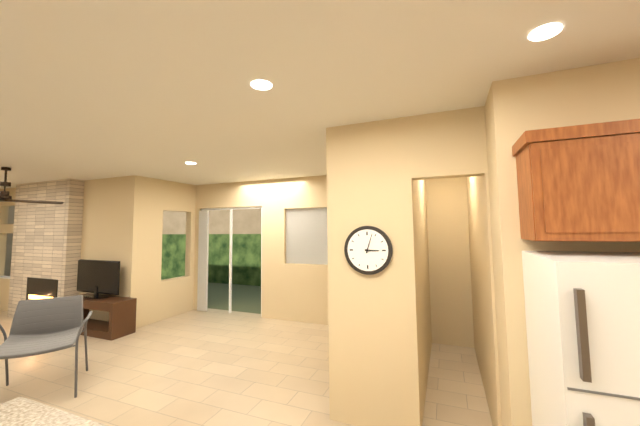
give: {"hour": 3, "minute": 3}
